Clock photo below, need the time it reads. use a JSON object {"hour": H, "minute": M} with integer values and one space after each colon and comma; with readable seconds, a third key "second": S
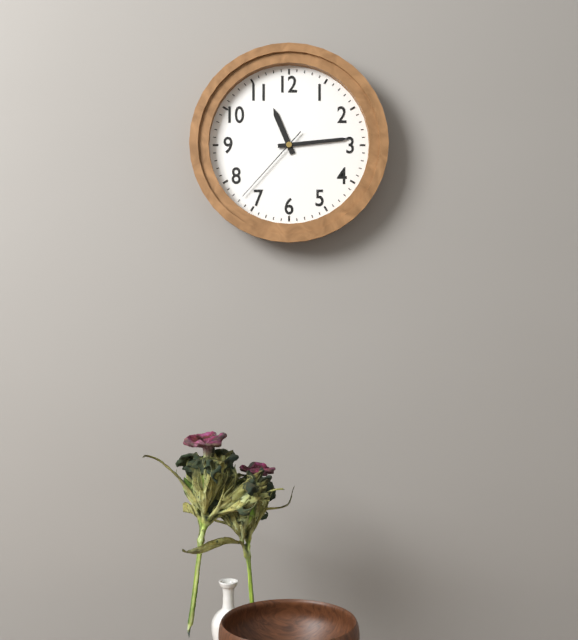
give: {"hour": 11, "minute": 14, "second": 37}
